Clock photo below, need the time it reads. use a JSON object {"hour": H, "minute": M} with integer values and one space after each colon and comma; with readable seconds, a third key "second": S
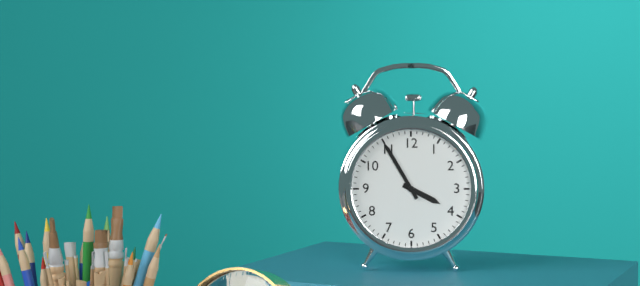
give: {"hour": 3, "minute": 55}
